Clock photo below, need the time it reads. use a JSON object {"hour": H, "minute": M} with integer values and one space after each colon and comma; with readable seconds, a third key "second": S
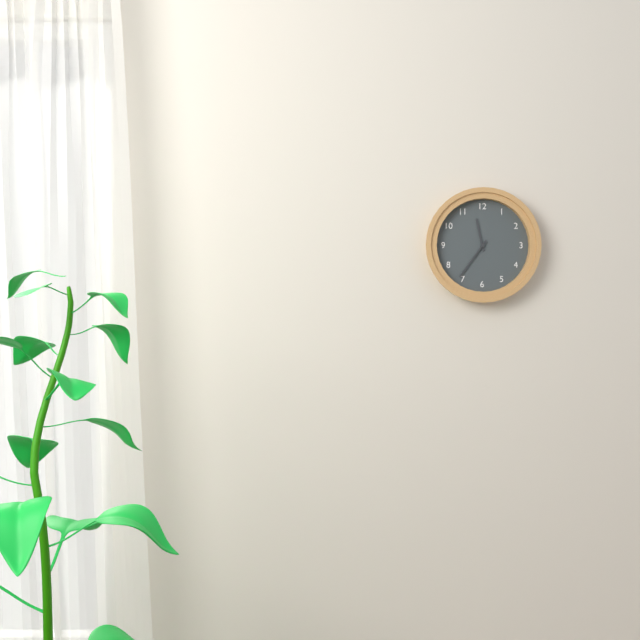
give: {"hour": 11, "minute": 36}
